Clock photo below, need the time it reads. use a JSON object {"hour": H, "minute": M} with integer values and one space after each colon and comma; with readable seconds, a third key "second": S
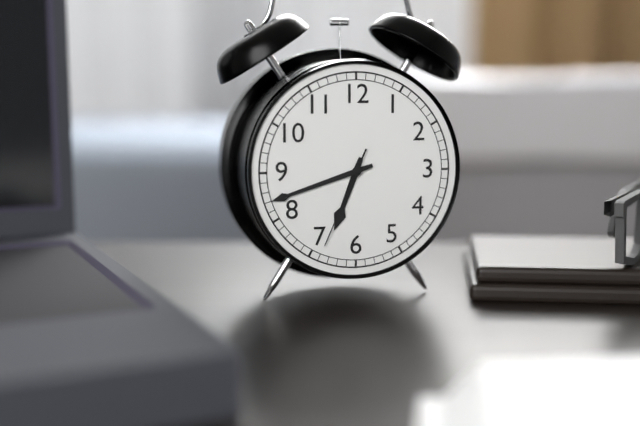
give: {"hour": 6, "minute": 42, "second": 34}
